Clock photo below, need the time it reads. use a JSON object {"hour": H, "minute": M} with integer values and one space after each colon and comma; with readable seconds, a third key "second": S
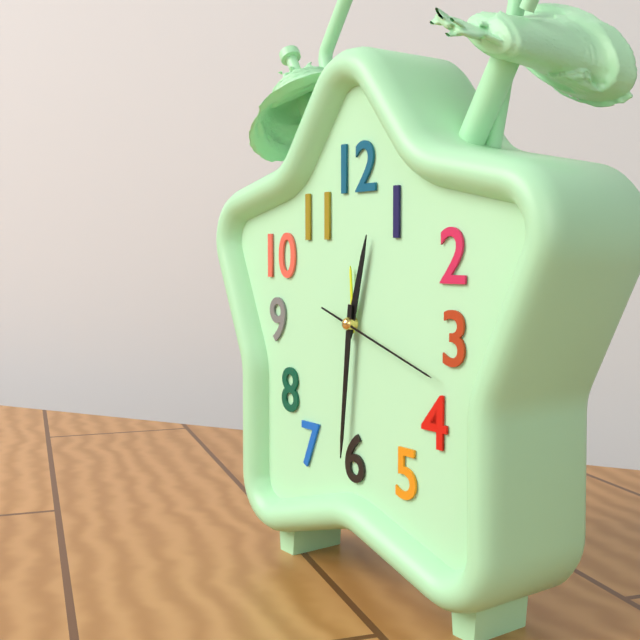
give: {"hour": 12, "minute": 31, "second": 18}
